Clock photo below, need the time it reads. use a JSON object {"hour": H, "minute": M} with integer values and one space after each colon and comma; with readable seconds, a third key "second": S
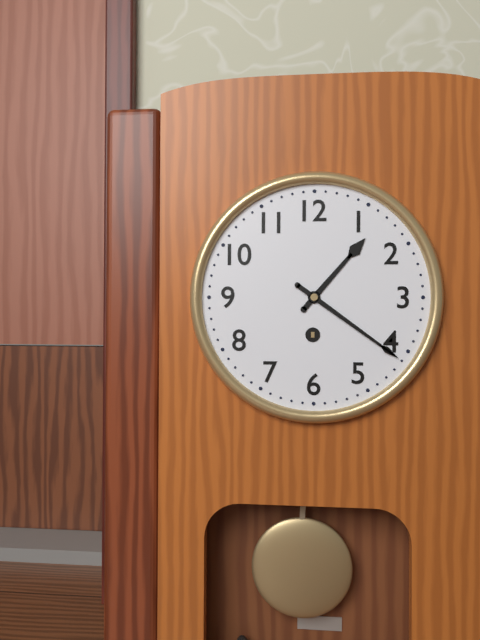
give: {"hour": 1, "minute": 21}
